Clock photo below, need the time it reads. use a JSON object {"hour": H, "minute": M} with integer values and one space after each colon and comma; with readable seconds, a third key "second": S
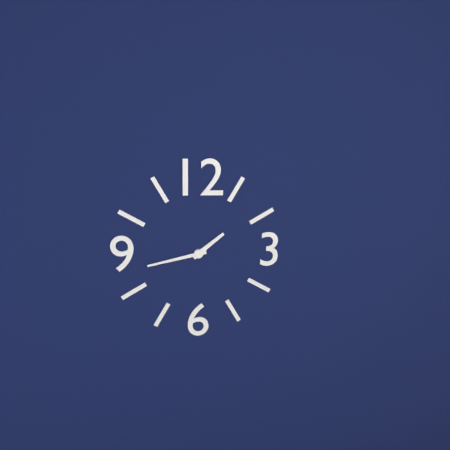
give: {"hour": 1, "minute": 43}
